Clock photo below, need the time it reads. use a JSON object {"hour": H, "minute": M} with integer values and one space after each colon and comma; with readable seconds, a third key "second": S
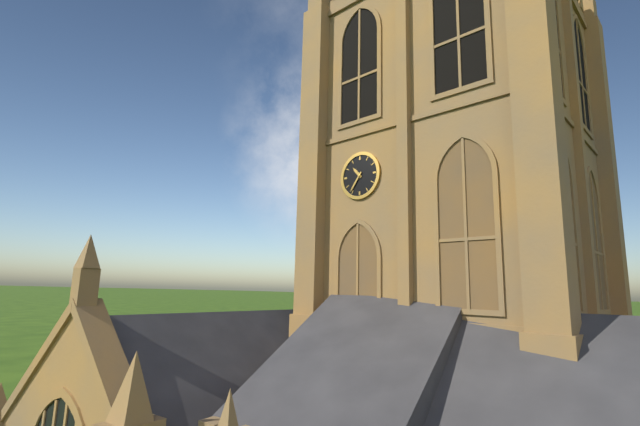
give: {"hour": 10, "minute": 36}
